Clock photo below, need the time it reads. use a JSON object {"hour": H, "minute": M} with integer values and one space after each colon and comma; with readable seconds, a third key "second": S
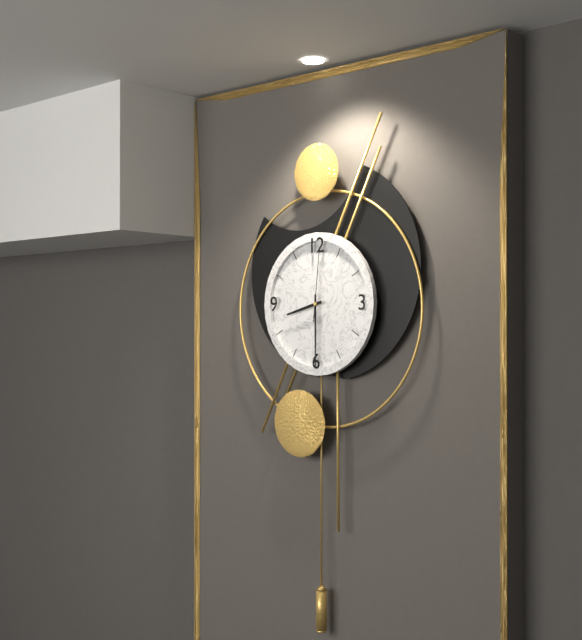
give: {"hour": 8, "minute": 30, "second": 1}
